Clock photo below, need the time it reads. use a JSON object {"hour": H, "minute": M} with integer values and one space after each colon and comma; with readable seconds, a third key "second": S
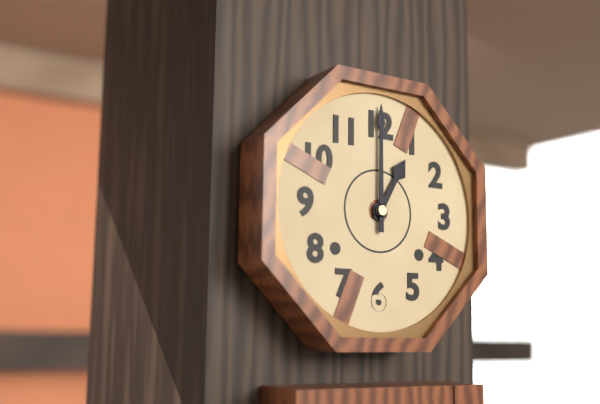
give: {"hour": 1, "minute": 0}
